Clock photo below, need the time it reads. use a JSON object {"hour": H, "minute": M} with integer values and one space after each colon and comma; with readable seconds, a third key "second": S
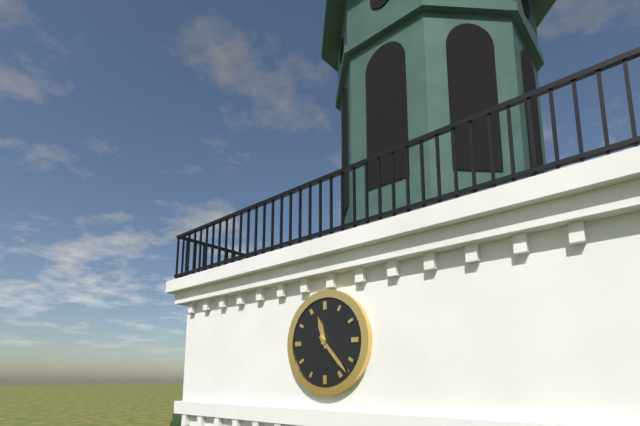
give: {"hour": 11, "minute": 23}
